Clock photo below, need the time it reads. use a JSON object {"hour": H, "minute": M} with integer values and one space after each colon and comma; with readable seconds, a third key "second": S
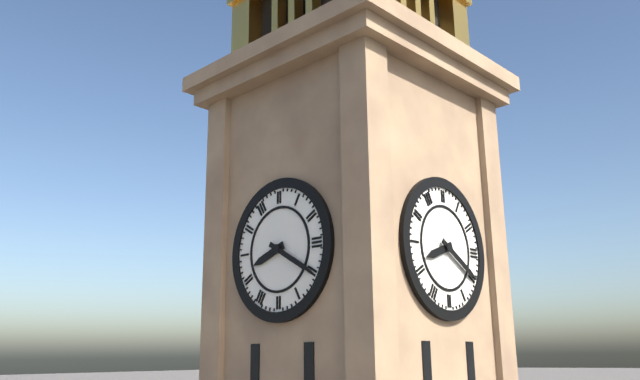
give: {"hour": 8, "minute": 20}
